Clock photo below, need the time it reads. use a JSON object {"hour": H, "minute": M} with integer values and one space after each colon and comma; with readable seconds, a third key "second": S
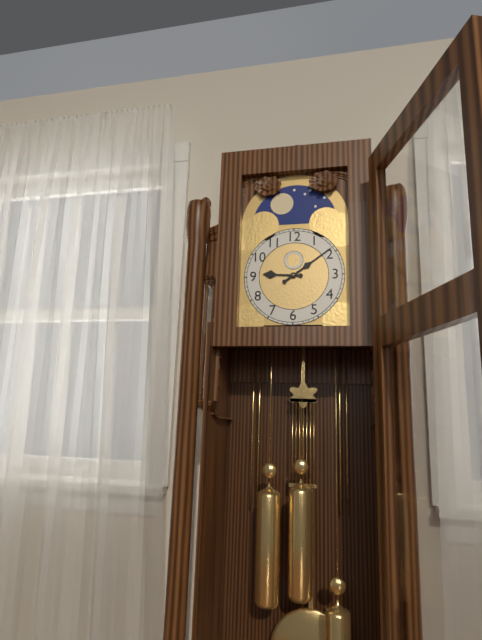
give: {"hour": 9, "minute": 9}
